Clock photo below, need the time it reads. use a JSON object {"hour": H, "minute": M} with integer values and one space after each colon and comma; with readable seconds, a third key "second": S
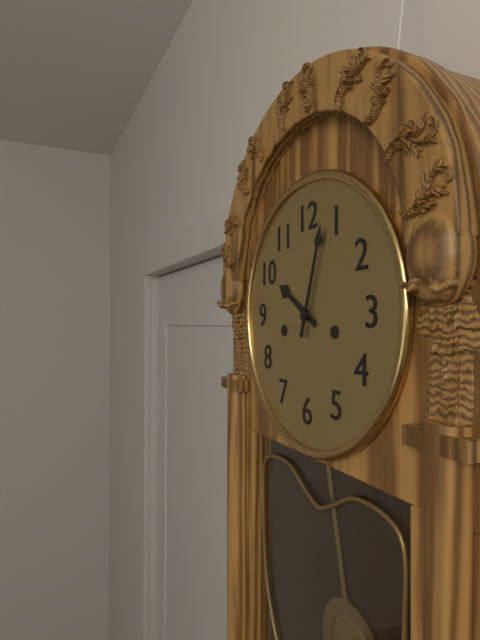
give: {"hour": 10, "minute": 3}
